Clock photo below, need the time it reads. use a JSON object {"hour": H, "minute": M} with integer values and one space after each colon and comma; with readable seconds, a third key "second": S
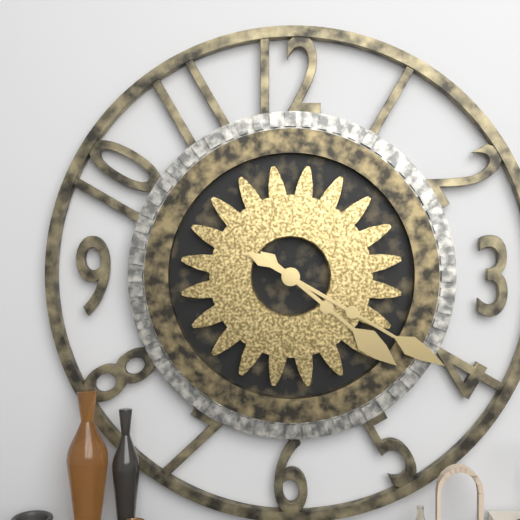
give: {"hour": 4, "minute": 20}
